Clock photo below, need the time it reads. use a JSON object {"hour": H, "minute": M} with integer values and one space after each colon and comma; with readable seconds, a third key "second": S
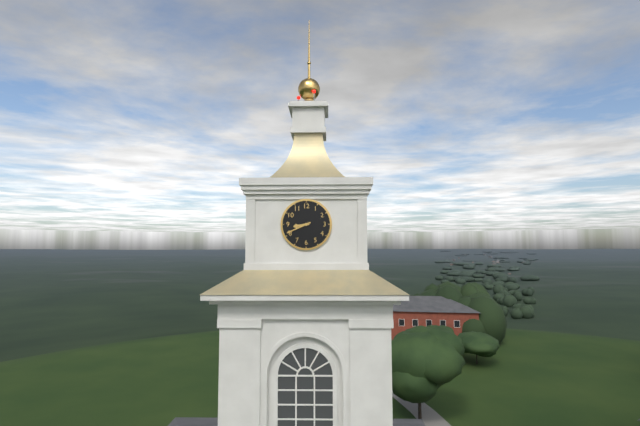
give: {"hour": 8, "minute": 41}
